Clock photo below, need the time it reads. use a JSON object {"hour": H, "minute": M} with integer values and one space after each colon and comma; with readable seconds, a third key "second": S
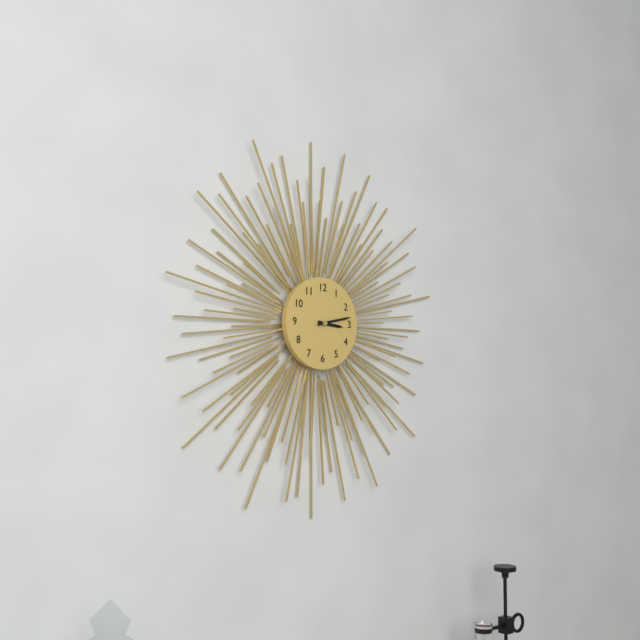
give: {"hour": 3, "minute": 13}
